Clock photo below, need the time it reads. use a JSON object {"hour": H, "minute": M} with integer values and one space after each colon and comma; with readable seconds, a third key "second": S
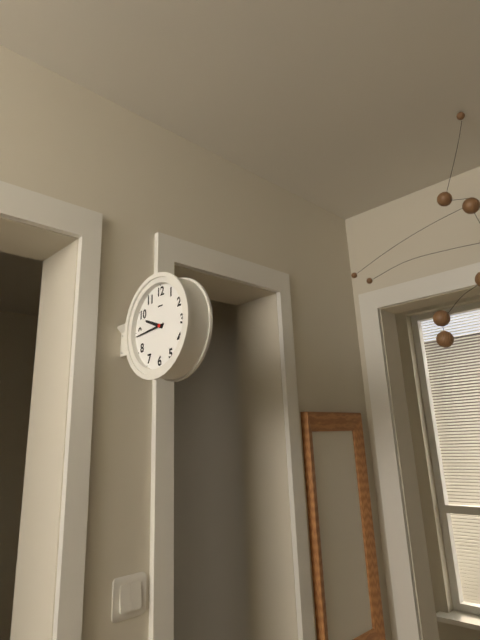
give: {"hour": 9, "minute": 44}
